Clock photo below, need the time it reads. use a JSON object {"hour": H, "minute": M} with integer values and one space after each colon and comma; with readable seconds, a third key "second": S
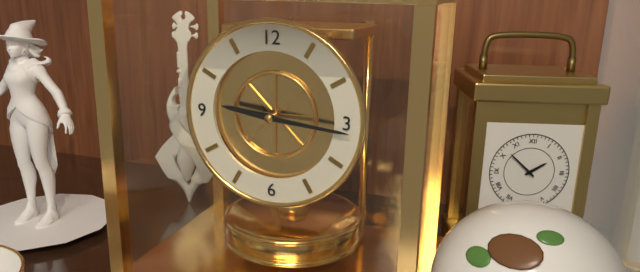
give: {"hour": 9, "minute": 16}
